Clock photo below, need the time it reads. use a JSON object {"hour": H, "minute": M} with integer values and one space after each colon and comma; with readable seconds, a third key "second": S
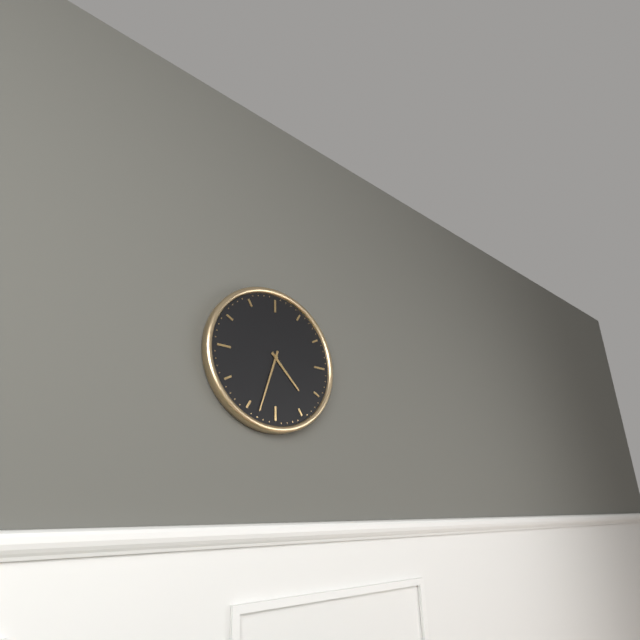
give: {"hour": 4, "minute": 33}
